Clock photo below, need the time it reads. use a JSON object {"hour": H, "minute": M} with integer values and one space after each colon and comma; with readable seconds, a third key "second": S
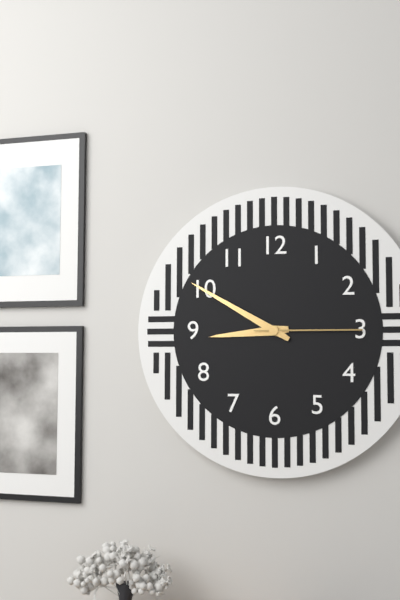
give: {"hour": 8, "minute": 50, "second": 15}
